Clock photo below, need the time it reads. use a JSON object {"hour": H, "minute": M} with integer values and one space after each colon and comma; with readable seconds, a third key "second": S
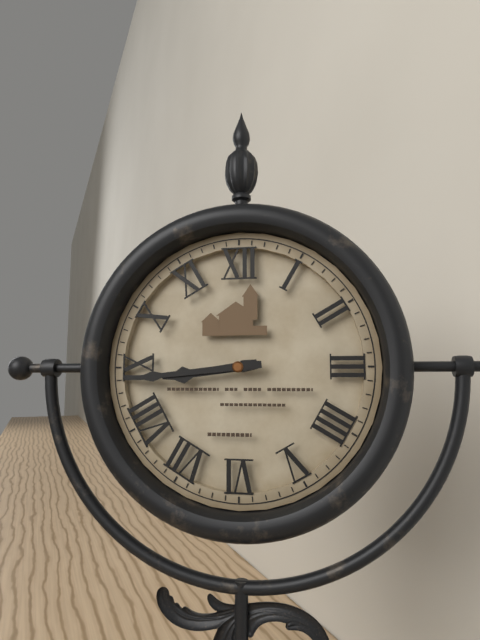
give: {"hour": 8, "minute": 44}
